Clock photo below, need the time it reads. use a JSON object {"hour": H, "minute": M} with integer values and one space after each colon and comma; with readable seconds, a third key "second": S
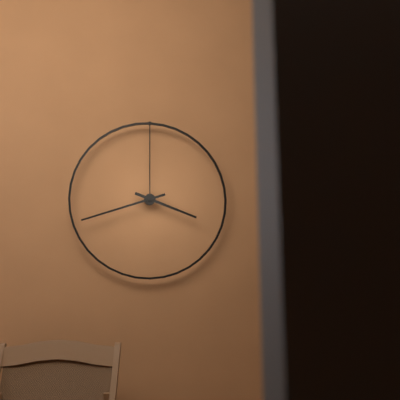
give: {"hour": 3, "minute": 42}
